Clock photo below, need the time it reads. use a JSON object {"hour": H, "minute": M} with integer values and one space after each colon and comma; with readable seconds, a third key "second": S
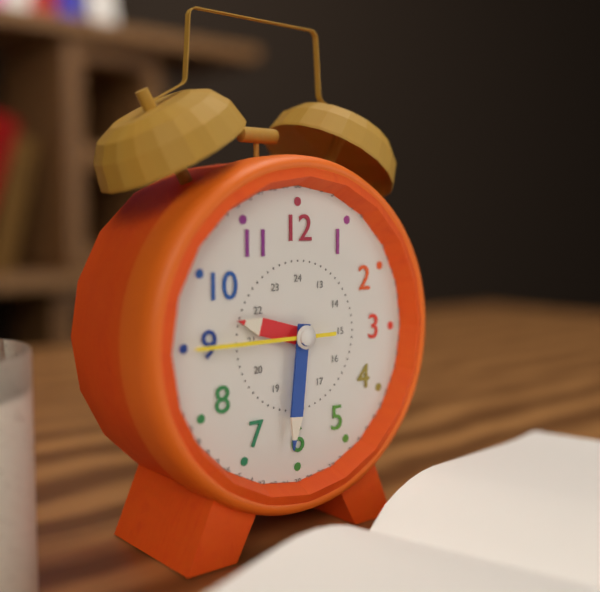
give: {"hour": 9, "minute": 31, "second": 45}
